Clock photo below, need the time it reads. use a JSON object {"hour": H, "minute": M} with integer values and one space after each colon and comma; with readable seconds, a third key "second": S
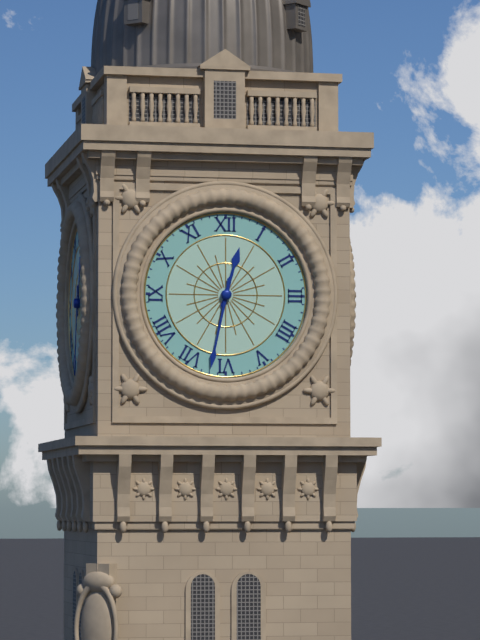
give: {"hour": 12, "minute": 32}
